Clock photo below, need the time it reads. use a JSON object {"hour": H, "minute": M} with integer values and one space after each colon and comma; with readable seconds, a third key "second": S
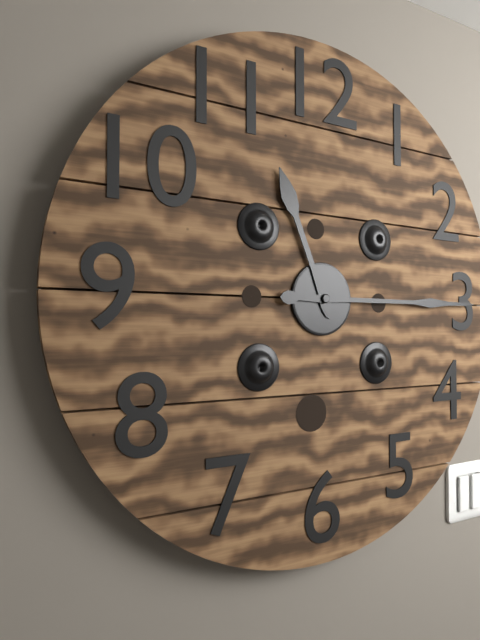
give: {"hour": 11, "minute": 15}
